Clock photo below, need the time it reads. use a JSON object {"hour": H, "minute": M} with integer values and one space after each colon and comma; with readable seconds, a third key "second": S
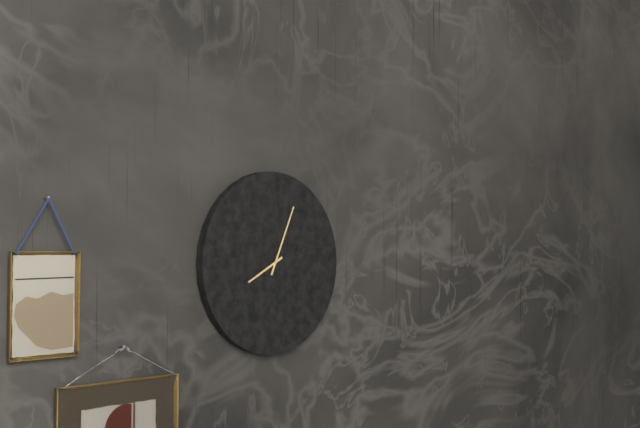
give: {"hour": 8, "minute": 4}
